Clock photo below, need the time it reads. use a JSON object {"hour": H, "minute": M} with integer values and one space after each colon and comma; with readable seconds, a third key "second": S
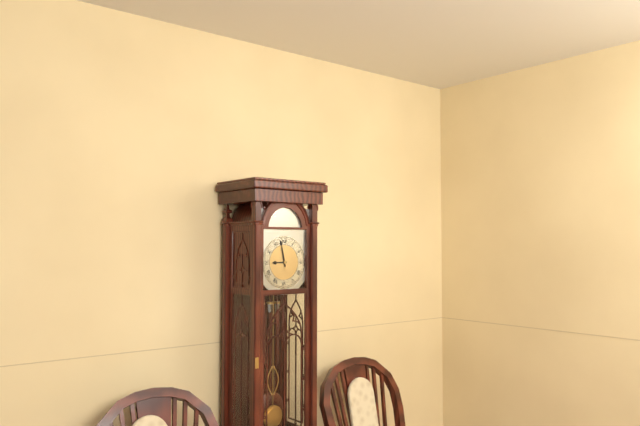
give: {"hour": 8, "minute": 58}
